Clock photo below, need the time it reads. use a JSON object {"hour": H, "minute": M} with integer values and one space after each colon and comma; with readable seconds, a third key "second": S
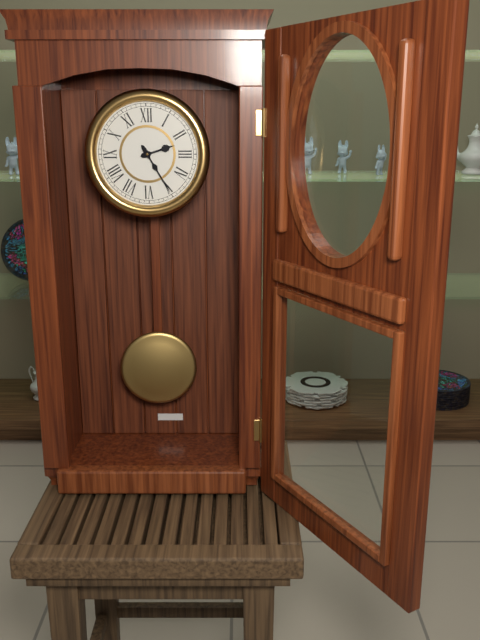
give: {"hour": 2, "minute": 25}
